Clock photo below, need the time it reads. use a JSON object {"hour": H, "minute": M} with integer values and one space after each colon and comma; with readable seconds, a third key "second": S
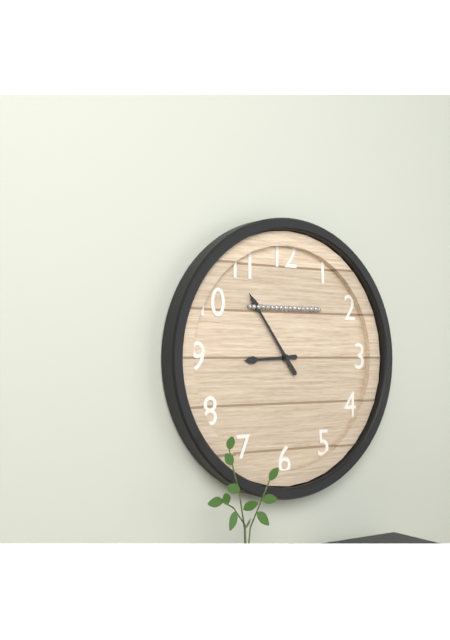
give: {"hour": 8, "minute": 54}
